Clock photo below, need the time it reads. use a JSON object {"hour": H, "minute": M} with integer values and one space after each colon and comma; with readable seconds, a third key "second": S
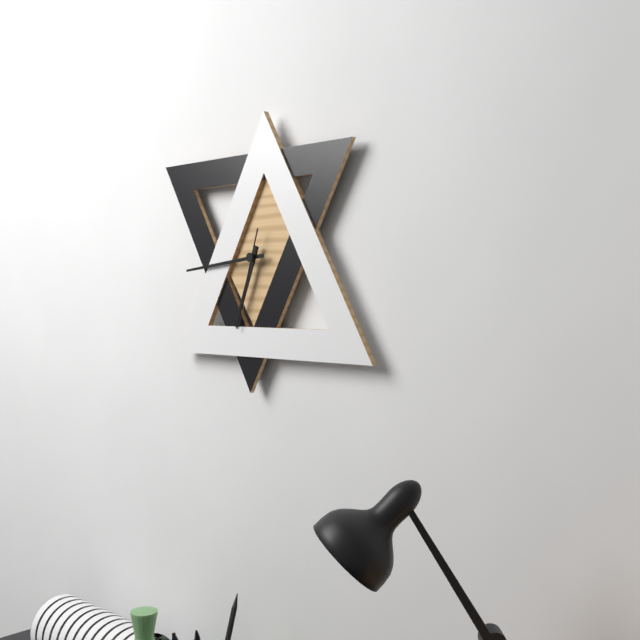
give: {"hour": 6, "minute": 44, "second": 33}
